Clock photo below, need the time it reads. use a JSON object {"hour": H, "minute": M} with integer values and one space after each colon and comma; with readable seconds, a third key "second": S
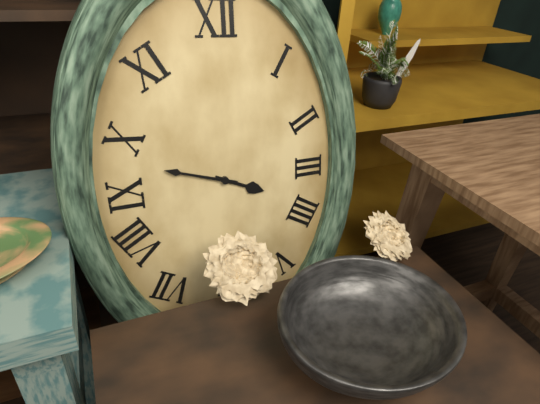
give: {"hour": 3, "minute": 48}
